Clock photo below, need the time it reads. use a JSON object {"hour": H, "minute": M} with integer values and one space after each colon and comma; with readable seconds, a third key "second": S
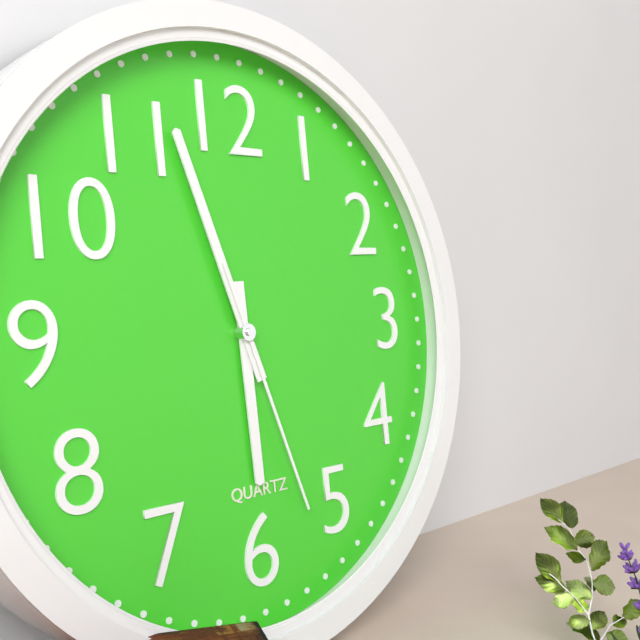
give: {"hour": 5, "minute": 57, "second": 27}
